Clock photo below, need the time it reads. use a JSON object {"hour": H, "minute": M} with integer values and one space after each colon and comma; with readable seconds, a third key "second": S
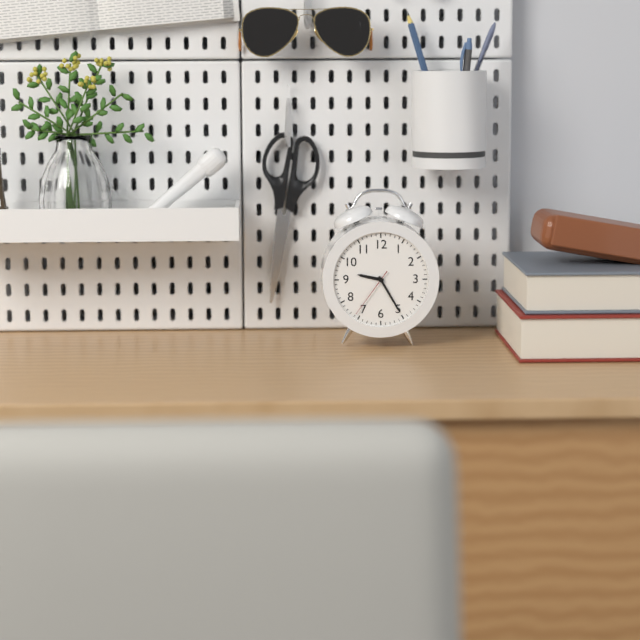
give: {"hour": 9, "minute": 25, "second": 36}
